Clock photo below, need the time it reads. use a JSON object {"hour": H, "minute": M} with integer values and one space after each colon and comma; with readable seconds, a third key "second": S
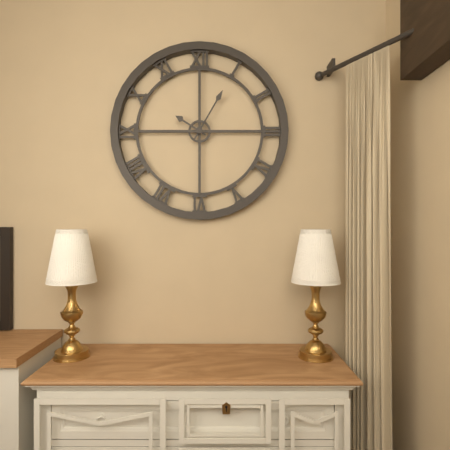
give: {"hour": 10, "minute": 5}
